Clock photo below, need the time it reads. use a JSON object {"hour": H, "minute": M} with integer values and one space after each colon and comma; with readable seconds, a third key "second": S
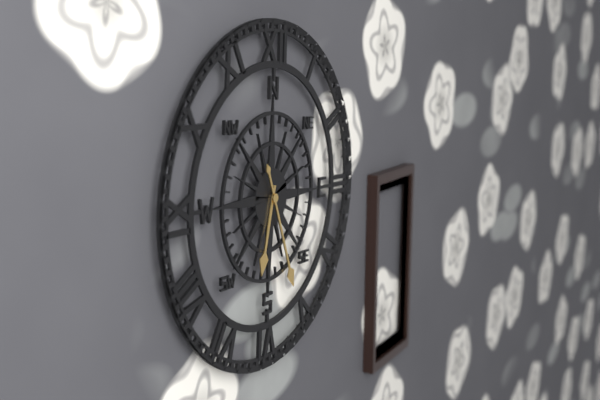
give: {"hour": 6, "minute": 26}
